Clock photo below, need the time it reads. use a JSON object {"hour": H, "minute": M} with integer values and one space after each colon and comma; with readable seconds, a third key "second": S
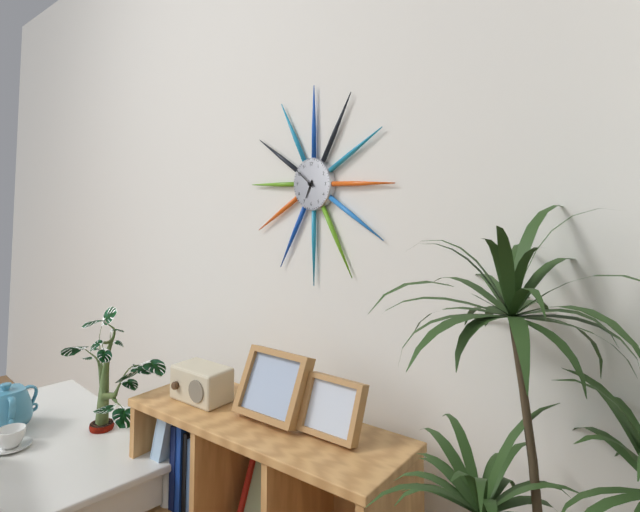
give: {"hour": 6, "minute": 51}
